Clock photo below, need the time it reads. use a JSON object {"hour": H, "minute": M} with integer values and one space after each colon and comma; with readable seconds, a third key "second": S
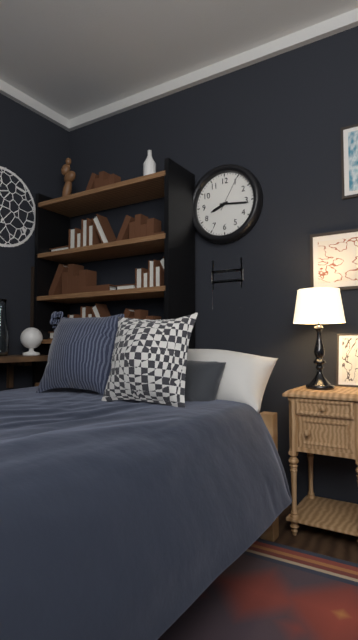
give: {"hour": 8, "minute": 16}
